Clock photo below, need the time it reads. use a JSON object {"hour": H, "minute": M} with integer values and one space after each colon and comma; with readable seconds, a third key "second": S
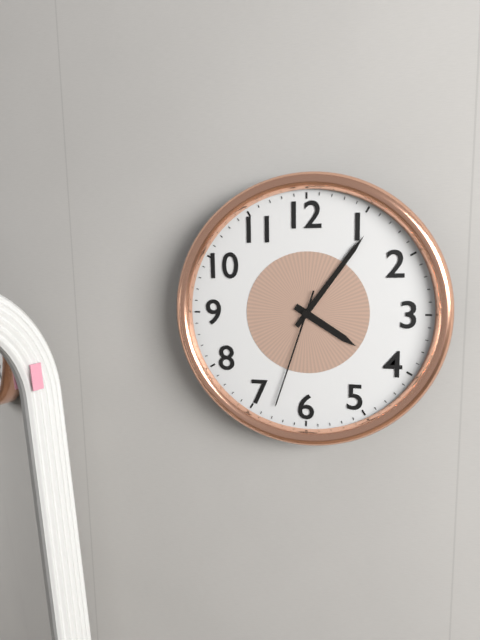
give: {"hour": 4, "minute": 6, "second": 33}
